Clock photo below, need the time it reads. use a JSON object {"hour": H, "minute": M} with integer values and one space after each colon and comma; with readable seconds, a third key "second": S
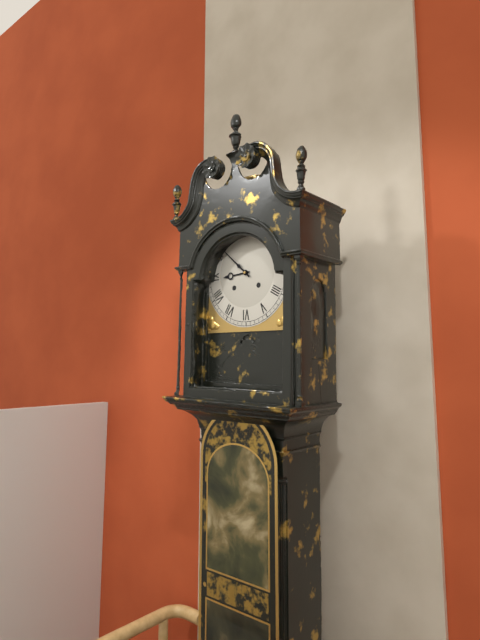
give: {"hour": 8, "minute": 52}
